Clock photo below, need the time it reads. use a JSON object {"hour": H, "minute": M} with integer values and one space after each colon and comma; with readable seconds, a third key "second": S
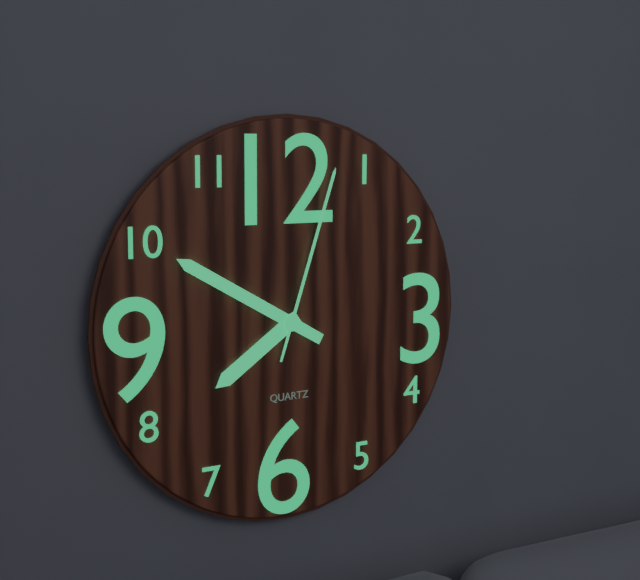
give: {"hour": 7, "minute": 50, "second": 3}
